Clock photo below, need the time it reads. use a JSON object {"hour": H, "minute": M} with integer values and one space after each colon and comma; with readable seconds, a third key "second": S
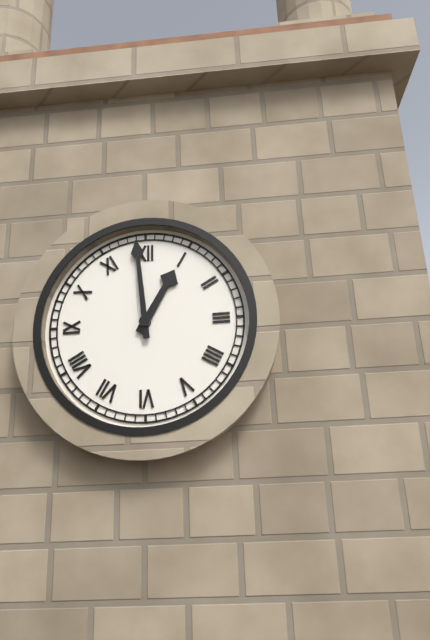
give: {"hour": 12, "minute": 59}
